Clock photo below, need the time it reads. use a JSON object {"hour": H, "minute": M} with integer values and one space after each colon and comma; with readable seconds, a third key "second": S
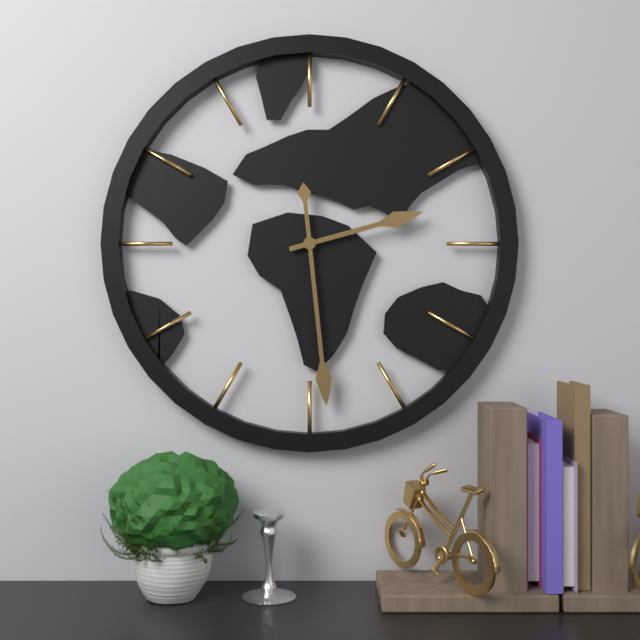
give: {"hour": 2, "minute": 29}
